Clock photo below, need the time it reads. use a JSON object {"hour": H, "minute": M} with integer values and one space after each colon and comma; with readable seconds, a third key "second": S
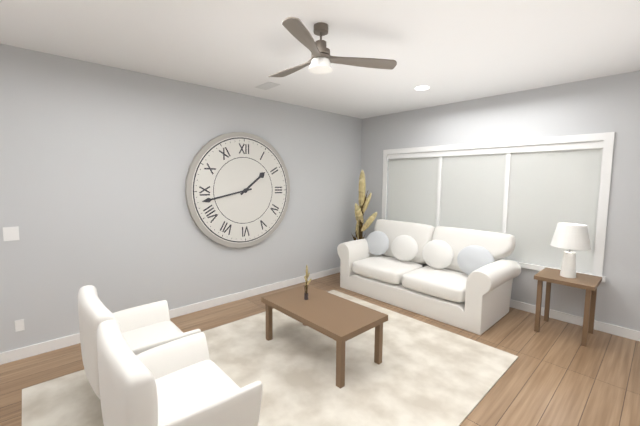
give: {"hour": 1, "minute": 43}
